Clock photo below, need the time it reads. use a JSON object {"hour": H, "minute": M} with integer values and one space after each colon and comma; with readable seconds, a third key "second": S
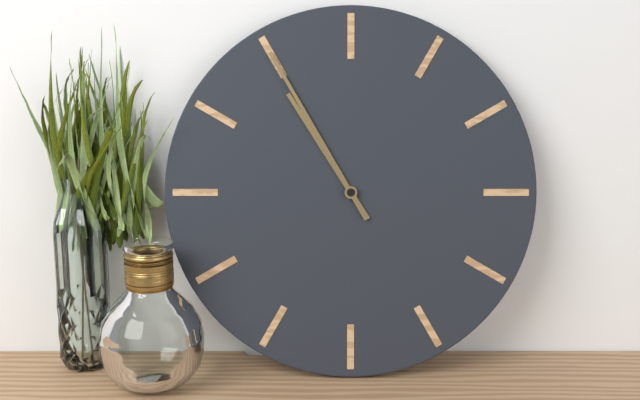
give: {"hour": 10, "minute": 55}
